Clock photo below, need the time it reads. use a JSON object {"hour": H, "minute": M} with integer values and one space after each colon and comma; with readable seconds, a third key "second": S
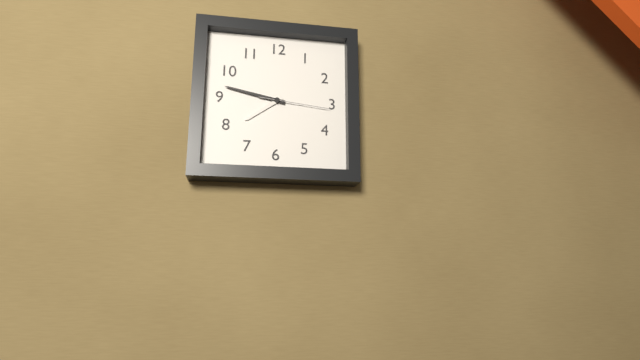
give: {"hour": 7, "minute": 47, "second": 16}
